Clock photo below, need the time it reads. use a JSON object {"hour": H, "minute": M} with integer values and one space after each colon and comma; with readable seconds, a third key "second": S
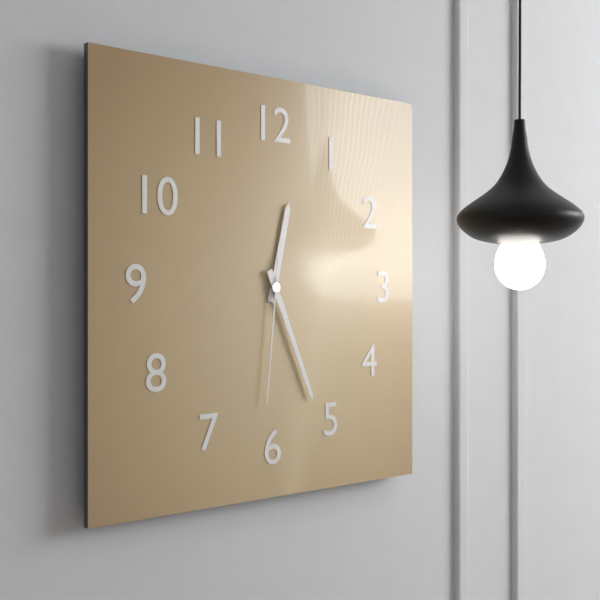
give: {"hour": 12, "minute": 26, "second": 31}
